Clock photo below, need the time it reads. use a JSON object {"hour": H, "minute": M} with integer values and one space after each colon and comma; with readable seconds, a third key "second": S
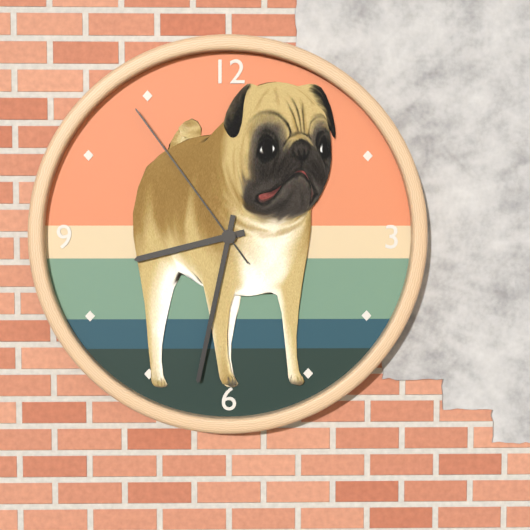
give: {"hour": 8, "minute": 32, "second": 54}
